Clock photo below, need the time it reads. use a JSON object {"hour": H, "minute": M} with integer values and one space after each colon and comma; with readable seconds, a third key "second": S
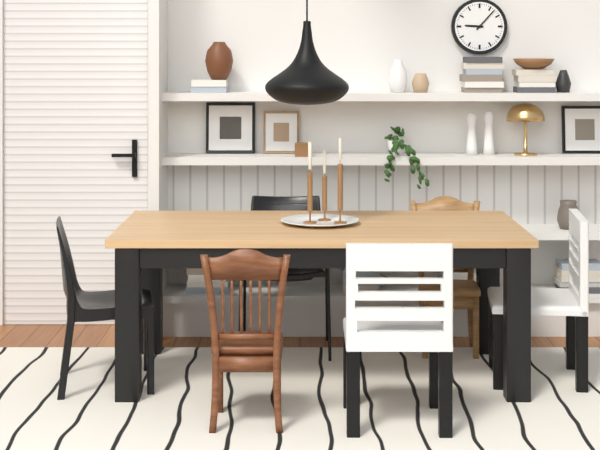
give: {"hour": 9, "minute": 7}
